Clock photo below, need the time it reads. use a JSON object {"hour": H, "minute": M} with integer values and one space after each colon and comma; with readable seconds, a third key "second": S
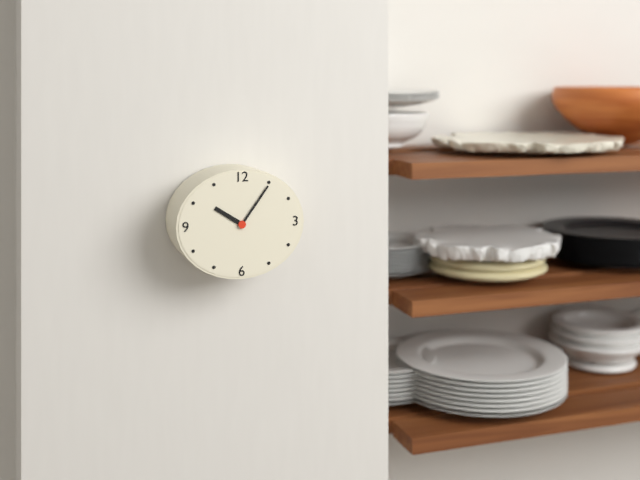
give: {"hour": 10, "minute": 6}
